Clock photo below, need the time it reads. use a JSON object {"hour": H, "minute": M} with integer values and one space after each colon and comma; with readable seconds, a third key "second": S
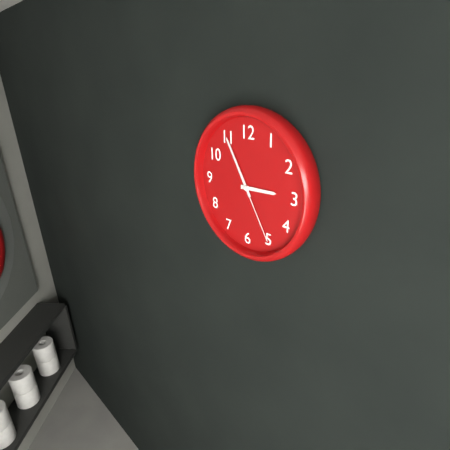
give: {"hour": 2, "minute": 55, "second": 25}
